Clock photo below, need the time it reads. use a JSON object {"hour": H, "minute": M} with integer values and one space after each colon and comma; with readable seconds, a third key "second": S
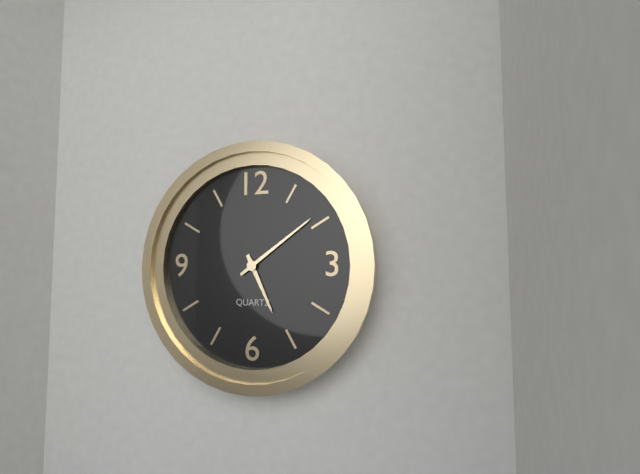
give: {"hour": 5, "minute": 9}
